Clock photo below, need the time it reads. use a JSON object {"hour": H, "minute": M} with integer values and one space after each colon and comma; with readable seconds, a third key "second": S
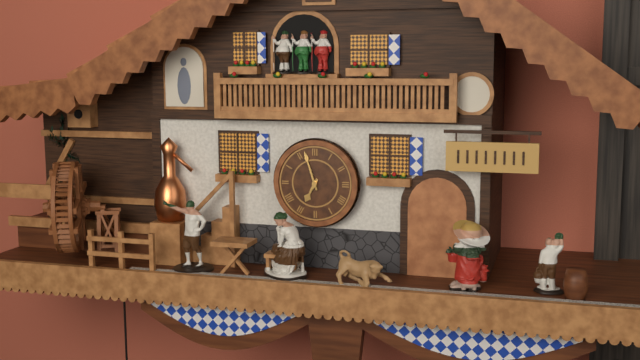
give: {"hour": 6, "minute": 57}
